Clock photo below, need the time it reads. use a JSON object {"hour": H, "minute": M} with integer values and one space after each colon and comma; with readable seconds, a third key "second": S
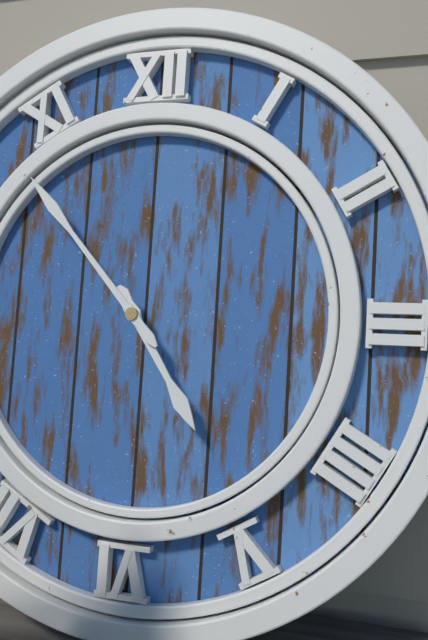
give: {"hour": 4, "minute": 53}
